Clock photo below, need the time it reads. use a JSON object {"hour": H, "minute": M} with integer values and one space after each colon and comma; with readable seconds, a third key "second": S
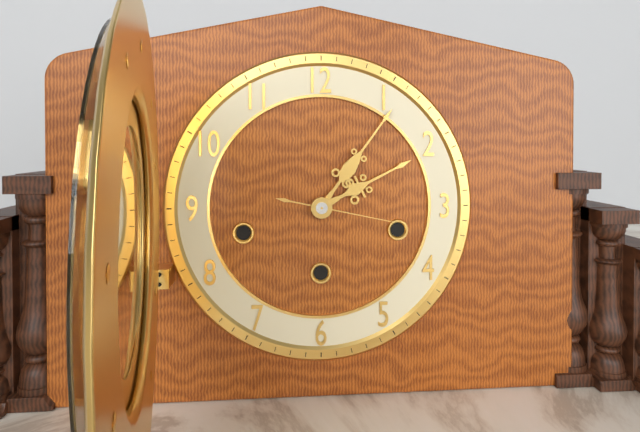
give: {"hour": 2, "minute": 6, "second": 17}
